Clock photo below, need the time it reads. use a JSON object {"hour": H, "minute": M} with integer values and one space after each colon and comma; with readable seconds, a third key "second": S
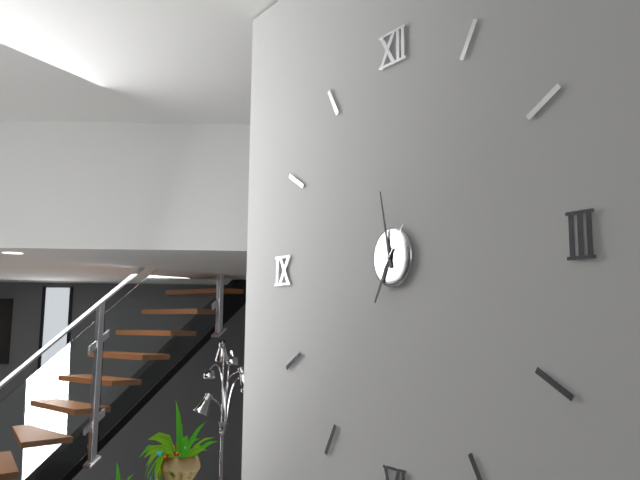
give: {"hour": 6, "minute": 58}
